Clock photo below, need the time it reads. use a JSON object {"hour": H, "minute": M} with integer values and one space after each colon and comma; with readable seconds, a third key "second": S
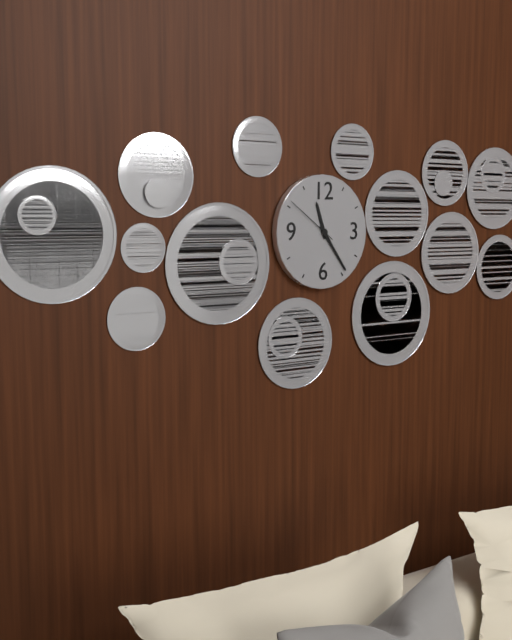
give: {"hour": 11, "minute": 24, "second": 51}
